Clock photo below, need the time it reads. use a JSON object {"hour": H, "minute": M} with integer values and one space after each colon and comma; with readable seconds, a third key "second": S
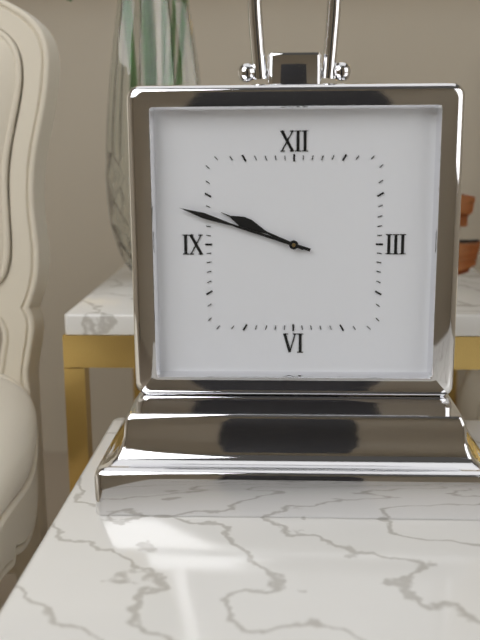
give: {"hour": 9, "minute": 48}
